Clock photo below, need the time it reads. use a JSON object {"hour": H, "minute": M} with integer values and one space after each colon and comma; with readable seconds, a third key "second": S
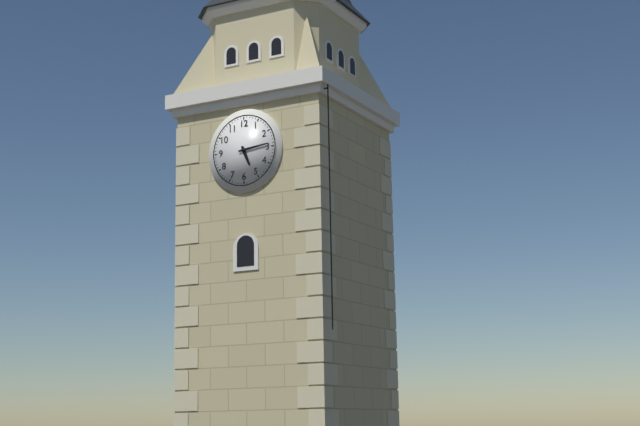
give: {"hour": 5, "minute": 14}
